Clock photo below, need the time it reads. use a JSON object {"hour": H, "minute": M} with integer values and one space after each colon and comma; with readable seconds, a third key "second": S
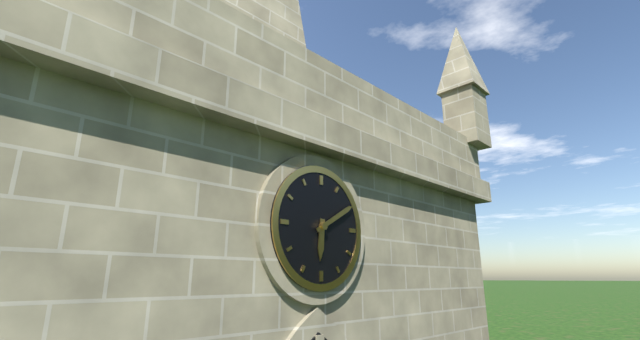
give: {"hour": 6, "minute": 10}
